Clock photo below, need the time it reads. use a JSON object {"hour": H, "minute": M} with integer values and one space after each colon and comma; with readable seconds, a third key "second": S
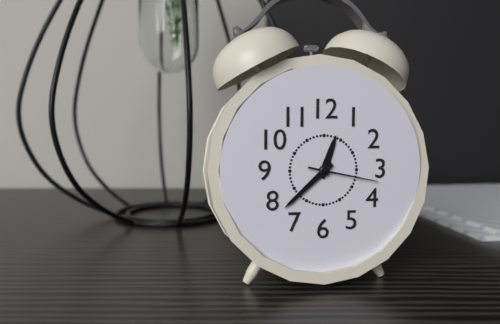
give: {"hour": 12, "minute": 38, "second": 17}
